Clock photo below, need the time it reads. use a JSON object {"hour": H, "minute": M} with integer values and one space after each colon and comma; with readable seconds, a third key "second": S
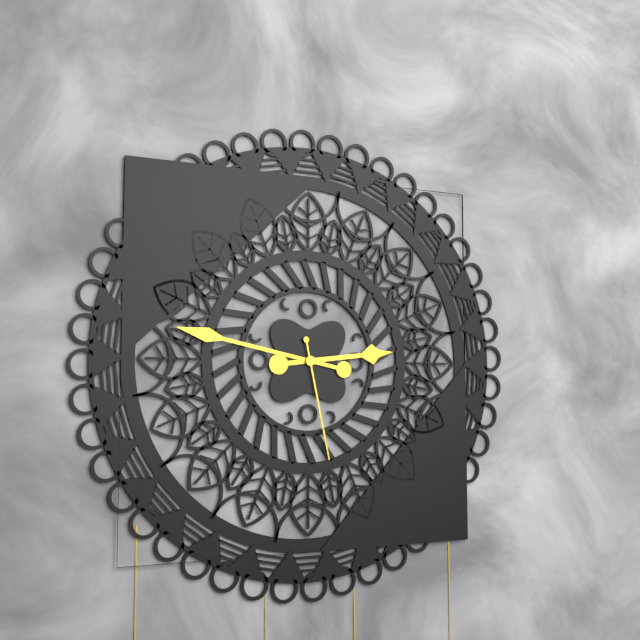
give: {"hour": 2, "minute": 47, "second": 28}
